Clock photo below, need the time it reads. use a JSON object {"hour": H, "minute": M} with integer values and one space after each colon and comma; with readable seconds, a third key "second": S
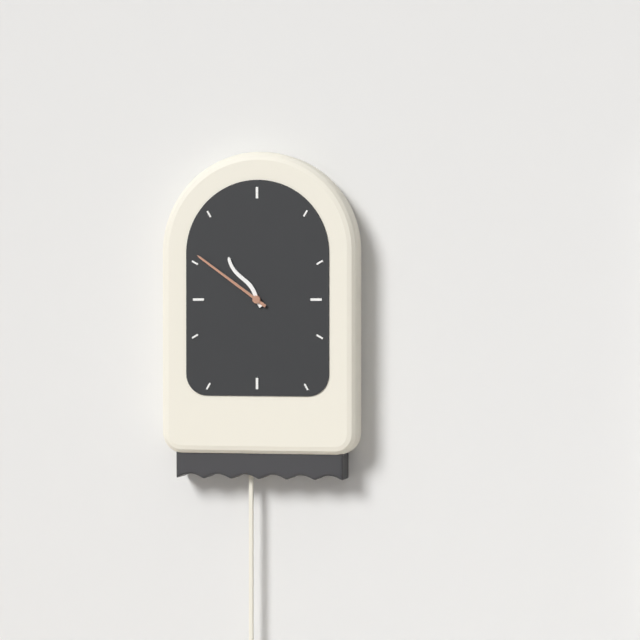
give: {"hour": 10, "minute": 51}
